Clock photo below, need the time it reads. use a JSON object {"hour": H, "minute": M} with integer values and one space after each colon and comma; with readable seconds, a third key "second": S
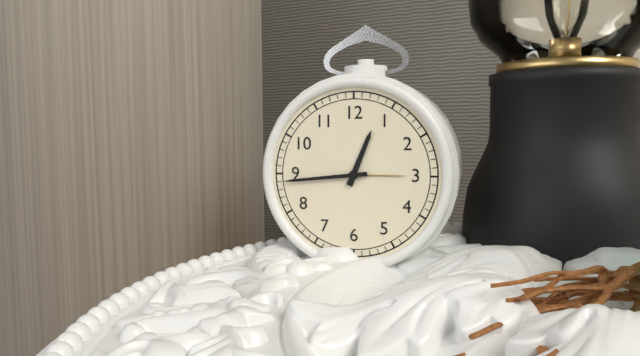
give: {"hour": 12, "minute": 44}
